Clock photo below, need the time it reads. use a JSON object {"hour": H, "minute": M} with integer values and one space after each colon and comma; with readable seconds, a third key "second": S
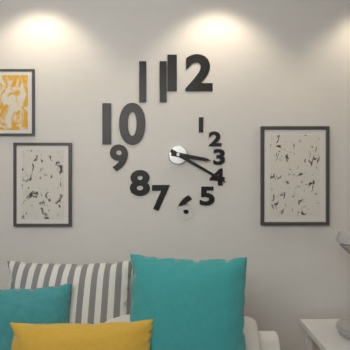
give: {"hour": 3, "minute": 20}
